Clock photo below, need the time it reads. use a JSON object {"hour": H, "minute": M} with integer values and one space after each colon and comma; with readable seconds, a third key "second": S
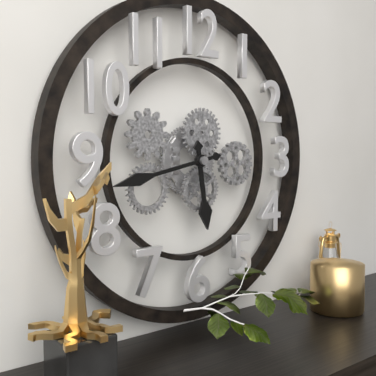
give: {"hour": 5, "minute": 43}
